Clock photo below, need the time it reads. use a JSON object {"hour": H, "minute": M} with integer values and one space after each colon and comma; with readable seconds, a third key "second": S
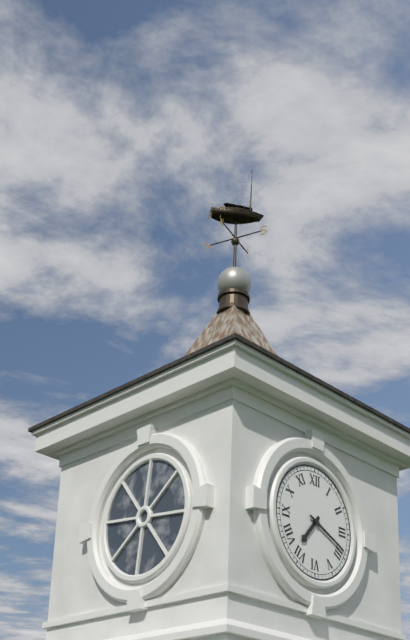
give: {"hour": 7, "minute": 19}
